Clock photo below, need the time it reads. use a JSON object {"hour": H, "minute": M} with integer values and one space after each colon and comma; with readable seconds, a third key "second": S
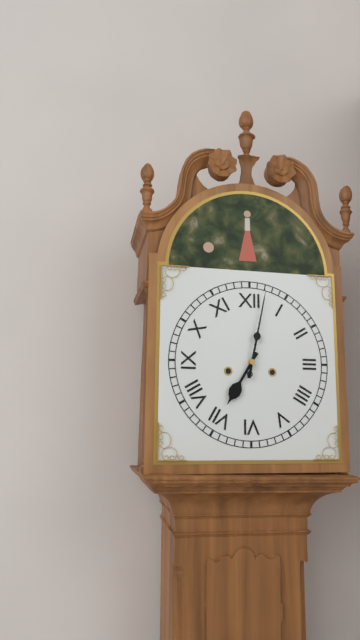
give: {"hour": 7, "minute": 2}
